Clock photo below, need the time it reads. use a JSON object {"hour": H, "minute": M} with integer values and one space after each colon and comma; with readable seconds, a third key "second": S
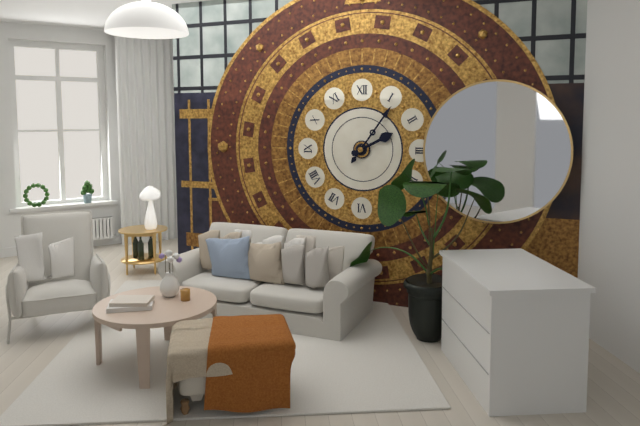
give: {"hour": 2, "minute": 6}
